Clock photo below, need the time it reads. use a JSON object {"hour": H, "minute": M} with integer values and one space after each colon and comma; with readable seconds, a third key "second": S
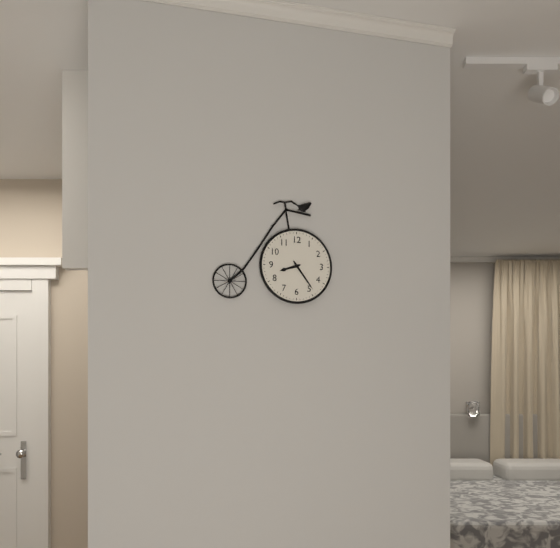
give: {"hour": 8, "minute": 24}
